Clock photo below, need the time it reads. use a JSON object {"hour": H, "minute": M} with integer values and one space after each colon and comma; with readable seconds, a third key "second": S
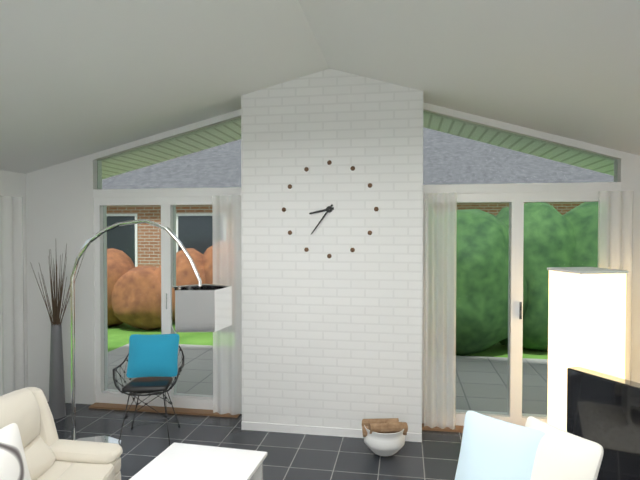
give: {"hour": 8, "minute": 36}
